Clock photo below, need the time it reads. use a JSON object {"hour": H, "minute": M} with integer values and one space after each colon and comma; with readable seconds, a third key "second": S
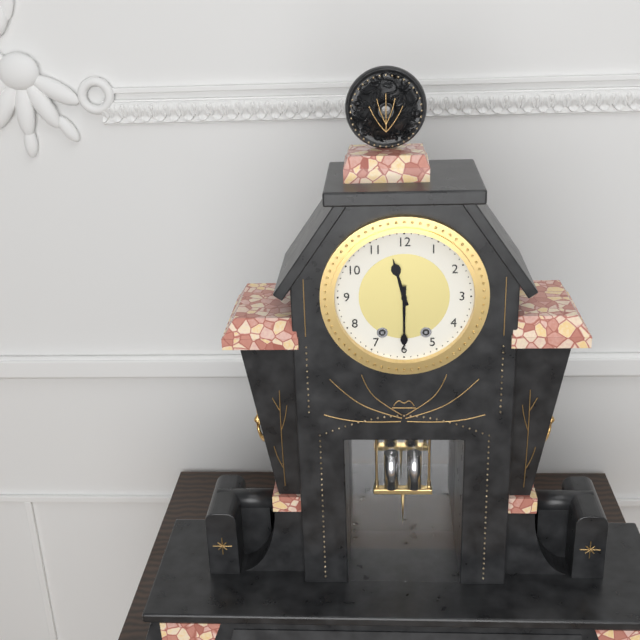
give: {"hour": 11, "minute": 30}
